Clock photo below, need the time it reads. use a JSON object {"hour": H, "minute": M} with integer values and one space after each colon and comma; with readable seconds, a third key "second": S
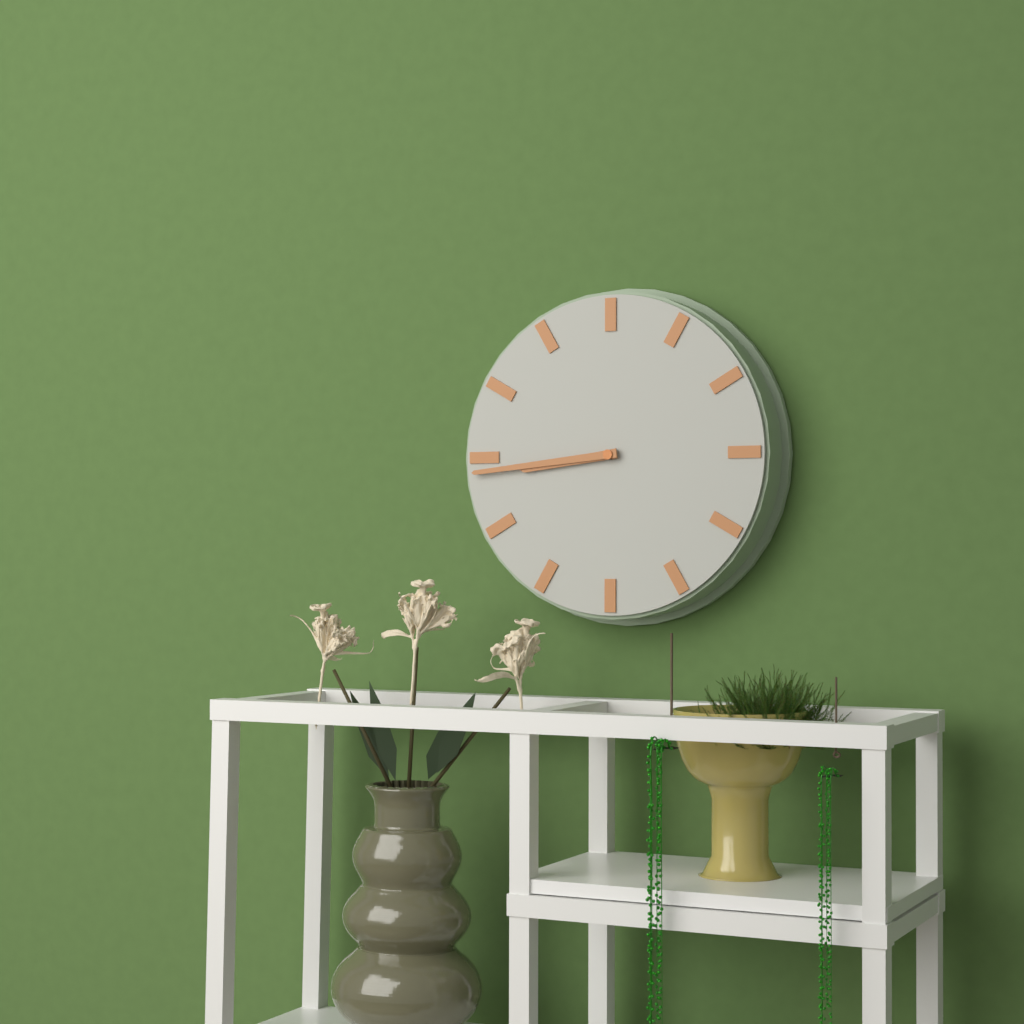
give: {"hour": 8, "minute": 44}
